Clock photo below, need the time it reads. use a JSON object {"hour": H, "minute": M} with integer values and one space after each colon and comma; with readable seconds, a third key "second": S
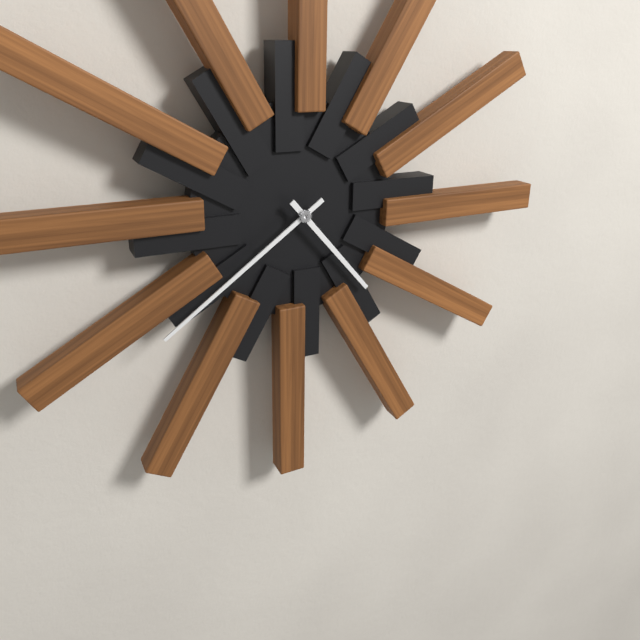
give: {"hour": 4, "minute": 39}
